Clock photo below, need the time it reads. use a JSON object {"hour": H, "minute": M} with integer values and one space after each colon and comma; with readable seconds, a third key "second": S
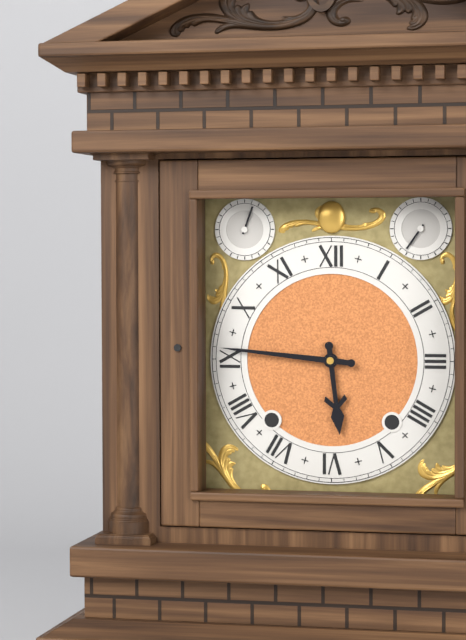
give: {"hour": 5, "minute": 46}
